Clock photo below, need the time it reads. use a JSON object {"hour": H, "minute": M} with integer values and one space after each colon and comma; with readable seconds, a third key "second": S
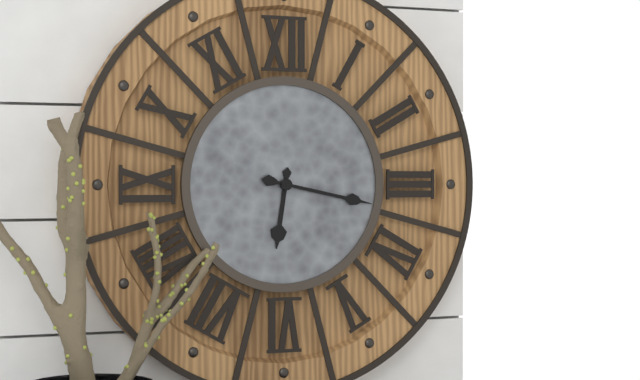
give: {"hour": 6, "minute": 17}
